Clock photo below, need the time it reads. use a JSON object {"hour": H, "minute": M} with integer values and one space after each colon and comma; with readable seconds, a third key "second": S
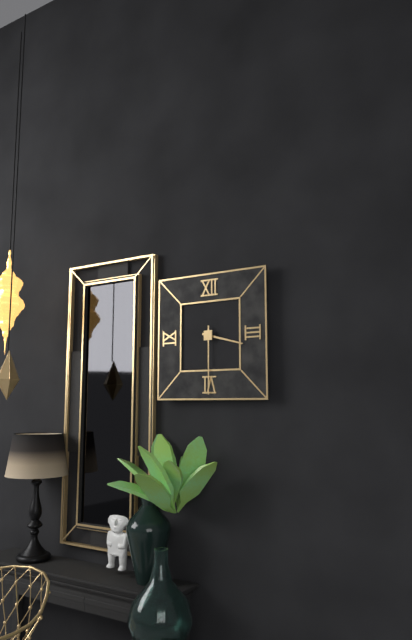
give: {"hour": 3, "minute": 30}
